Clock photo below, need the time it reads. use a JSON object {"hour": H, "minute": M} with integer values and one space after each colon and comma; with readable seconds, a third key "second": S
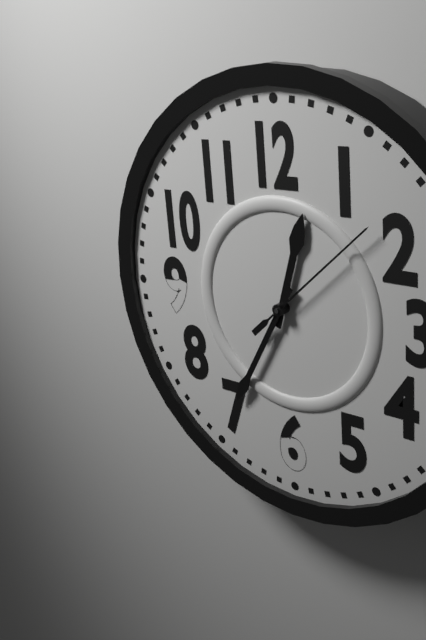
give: {"hour": 12, "minute": 35, "second": 8}
